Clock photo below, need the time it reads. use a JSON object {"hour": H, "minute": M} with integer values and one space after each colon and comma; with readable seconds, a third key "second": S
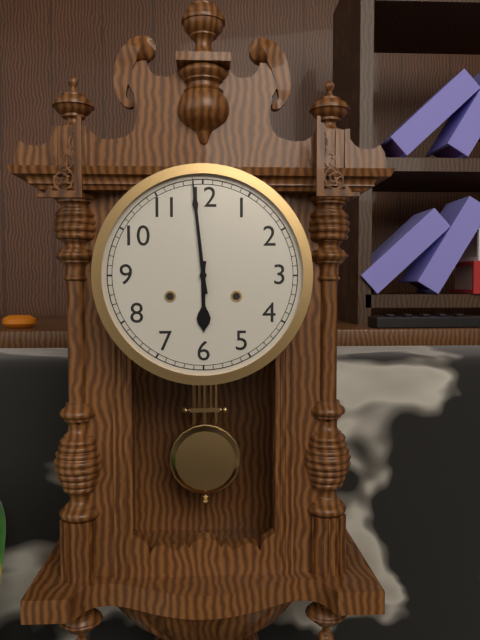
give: {"hour": 5, "minute": 59}
